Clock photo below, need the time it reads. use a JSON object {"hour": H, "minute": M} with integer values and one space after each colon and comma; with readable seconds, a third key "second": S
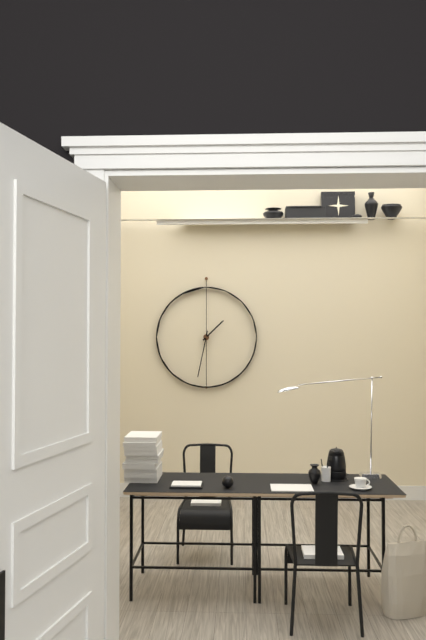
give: {"hour": 1, "minute": 32}
